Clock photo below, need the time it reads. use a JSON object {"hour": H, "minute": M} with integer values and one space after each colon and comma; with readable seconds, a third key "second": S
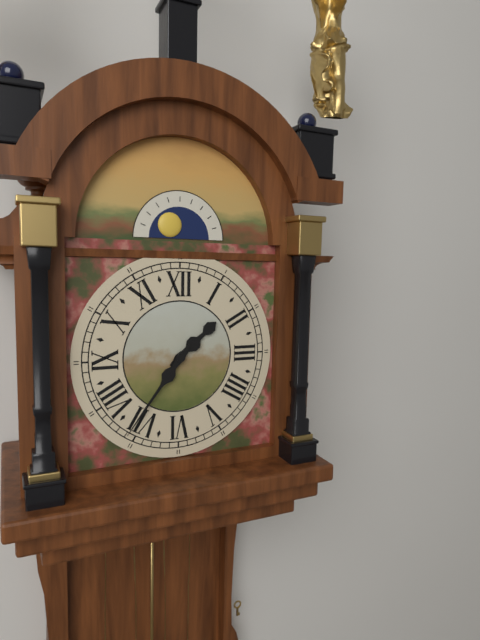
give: {"hour": 1, "minute": 36}
